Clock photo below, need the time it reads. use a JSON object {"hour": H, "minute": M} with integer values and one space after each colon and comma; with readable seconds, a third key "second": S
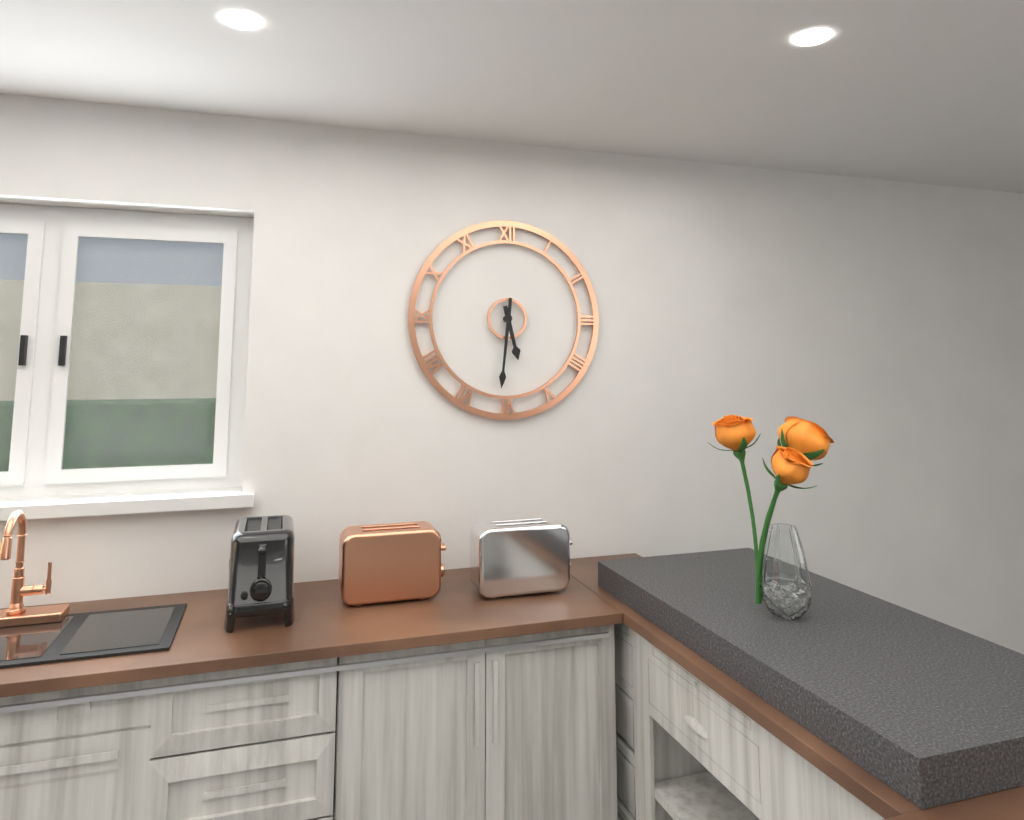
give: {"hour": 5, "minute": 31}
